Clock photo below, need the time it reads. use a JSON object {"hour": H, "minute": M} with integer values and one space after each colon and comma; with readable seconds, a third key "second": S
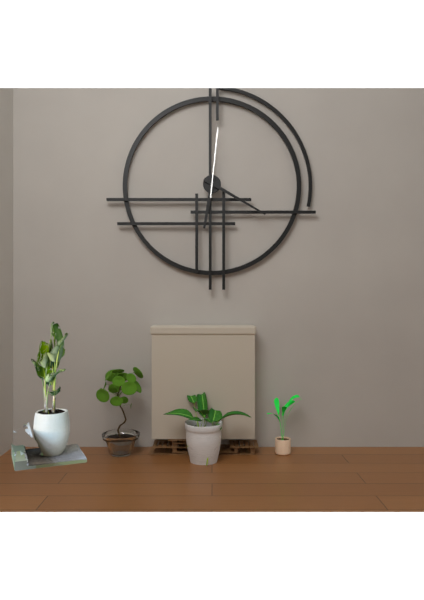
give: {"hour": 6, "minute": 20, "second": 1}
